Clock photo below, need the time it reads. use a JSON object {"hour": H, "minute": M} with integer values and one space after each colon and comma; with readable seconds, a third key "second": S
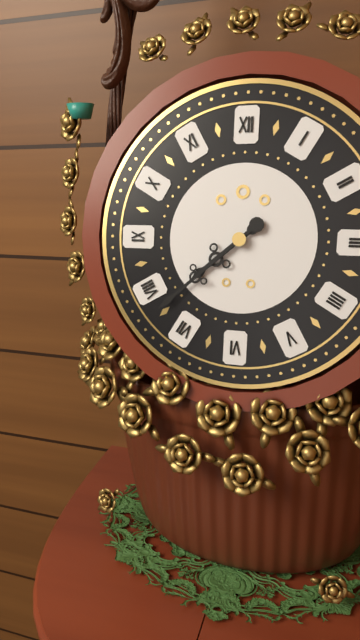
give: {"hour": 7, "minute": 38}
